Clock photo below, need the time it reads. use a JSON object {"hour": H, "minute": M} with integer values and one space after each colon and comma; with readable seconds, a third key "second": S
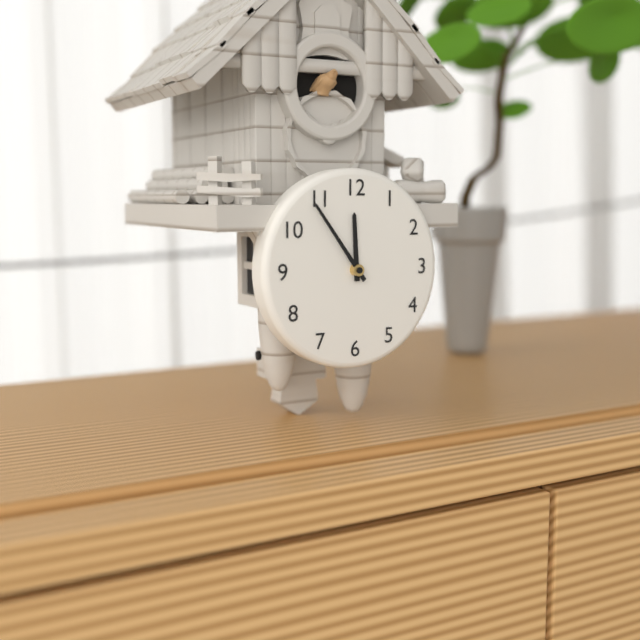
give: {"hour": 11, "minute": 54}
